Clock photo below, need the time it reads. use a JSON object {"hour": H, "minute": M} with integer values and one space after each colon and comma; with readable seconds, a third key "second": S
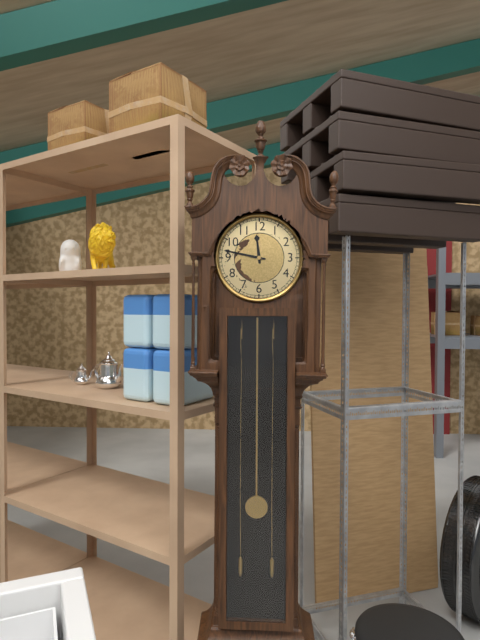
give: {"hour": 11, "minute": 47}
